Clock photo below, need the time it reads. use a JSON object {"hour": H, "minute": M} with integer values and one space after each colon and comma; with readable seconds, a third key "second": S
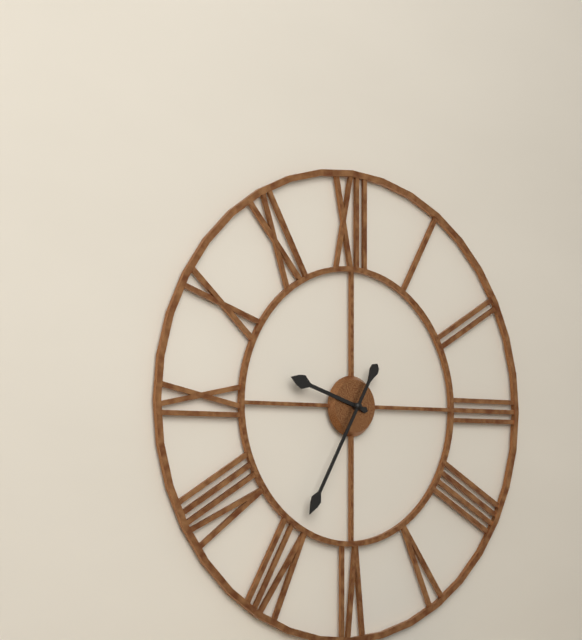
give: {"hour": 9, "minute": 35}
